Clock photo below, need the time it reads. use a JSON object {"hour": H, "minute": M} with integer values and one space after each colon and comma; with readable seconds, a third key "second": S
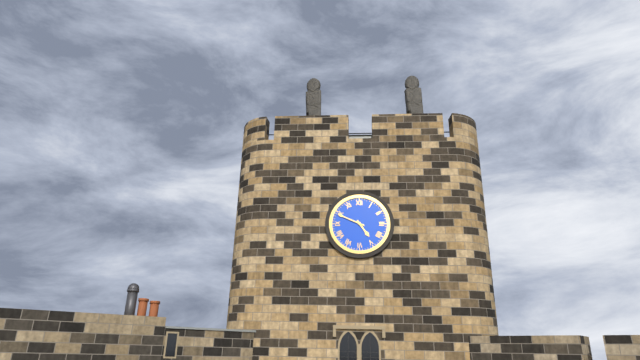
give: {"hour": 4, "minute": 49}
